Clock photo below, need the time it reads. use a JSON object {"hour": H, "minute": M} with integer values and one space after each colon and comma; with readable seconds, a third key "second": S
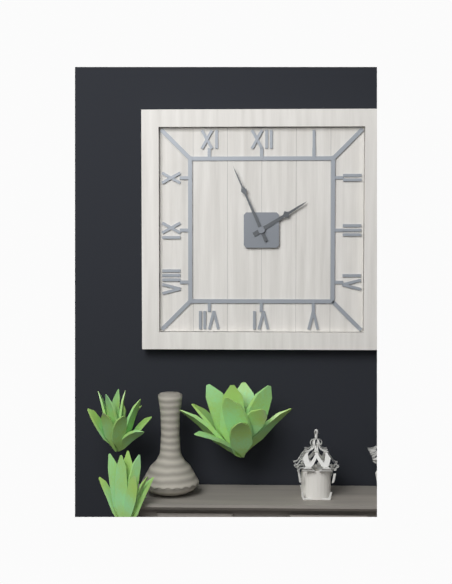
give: {"hour": 1, "minute": 56}
